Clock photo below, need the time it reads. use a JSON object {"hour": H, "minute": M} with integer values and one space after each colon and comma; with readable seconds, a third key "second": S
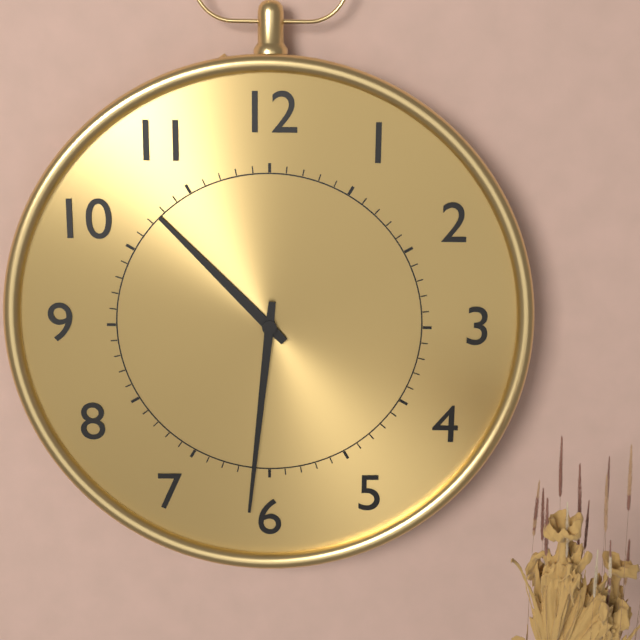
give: {"hour": 10, "minute": 31}
